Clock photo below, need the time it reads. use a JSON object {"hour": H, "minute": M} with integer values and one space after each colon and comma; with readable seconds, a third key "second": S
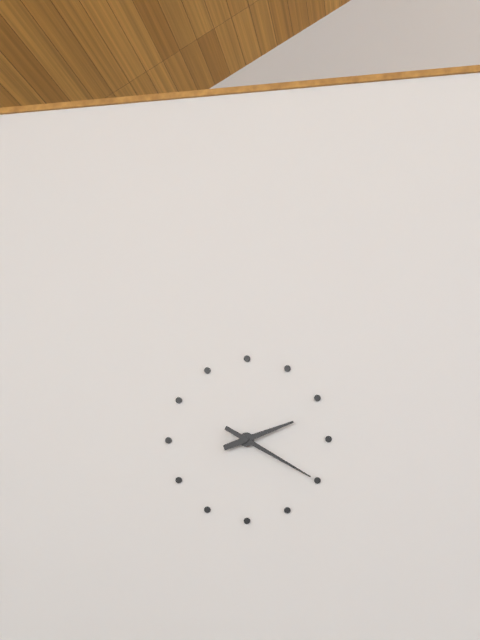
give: {"hour": 2, "minute": 20}
